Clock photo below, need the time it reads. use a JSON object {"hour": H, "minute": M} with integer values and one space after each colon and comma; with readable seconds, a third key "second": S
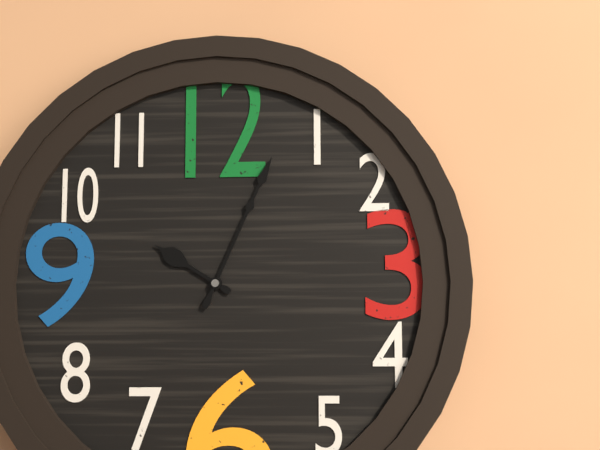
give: {"hour": 10, "minute": 4}
